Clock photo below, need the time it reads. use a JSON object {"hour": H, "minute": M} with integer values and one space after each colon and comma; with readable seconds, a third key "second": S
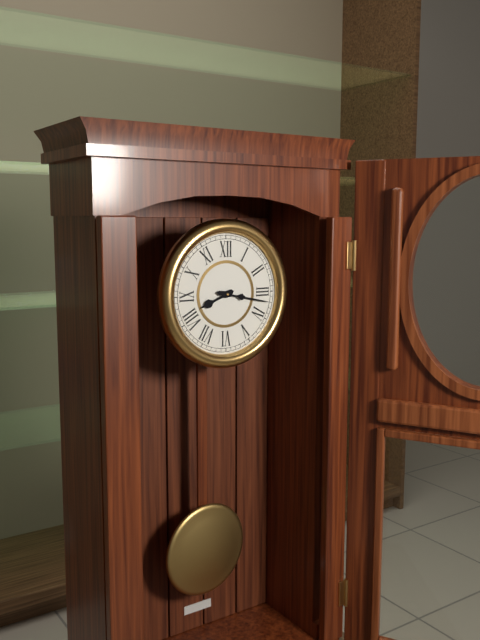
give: {"hour": 8, "minute": 17}
